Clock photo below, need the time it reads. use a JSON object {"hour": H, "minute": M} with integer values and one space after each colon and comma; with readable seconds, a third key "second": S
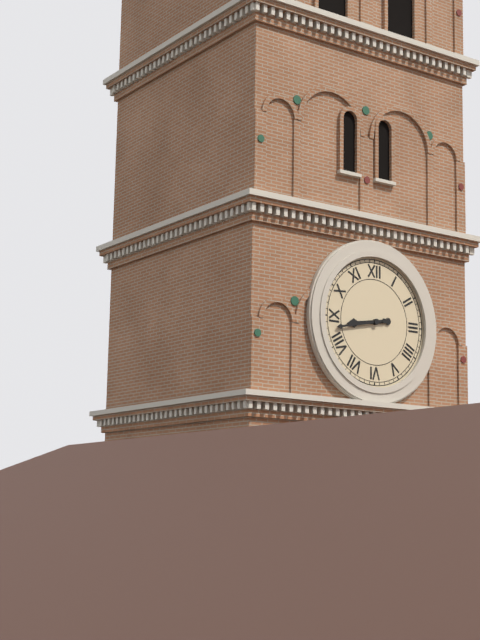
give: {"hour": 8, "minute": 43}
